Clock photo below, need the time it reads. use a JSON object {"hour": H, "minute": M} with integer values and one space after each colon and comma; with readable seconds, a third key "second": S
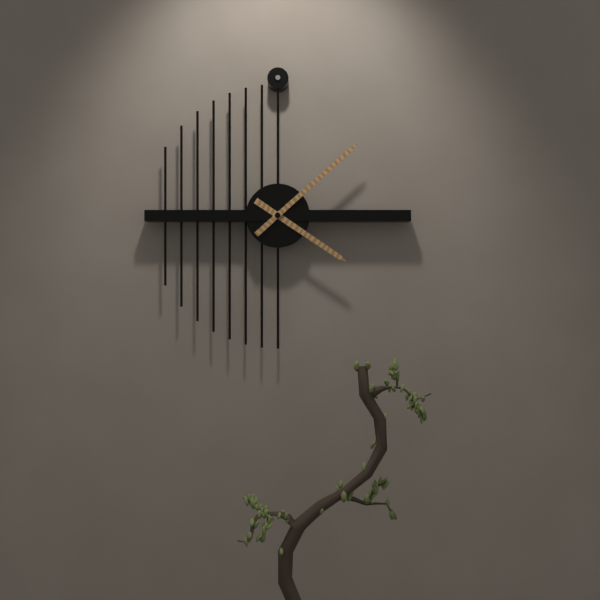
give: {"hour": 4, "minute": 8}
